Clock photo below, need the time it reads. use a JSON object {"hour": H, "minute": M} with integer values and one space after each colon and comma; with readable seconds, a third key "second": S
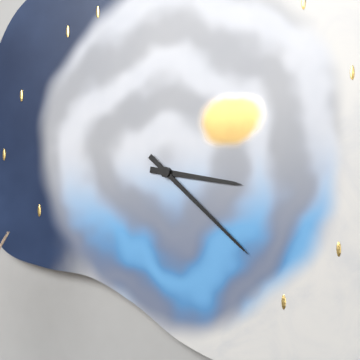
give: {"hour": 3, "minute": 22}
